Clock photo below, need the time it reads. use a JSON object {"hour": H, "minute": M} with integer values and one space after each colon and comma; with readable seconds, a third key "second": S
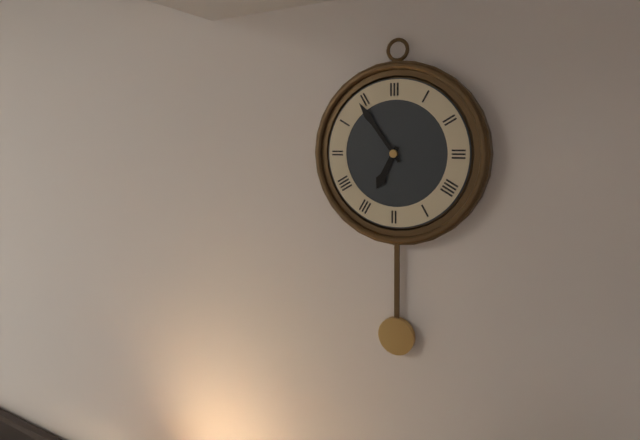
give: {"hour": 6, "minute": 54}
